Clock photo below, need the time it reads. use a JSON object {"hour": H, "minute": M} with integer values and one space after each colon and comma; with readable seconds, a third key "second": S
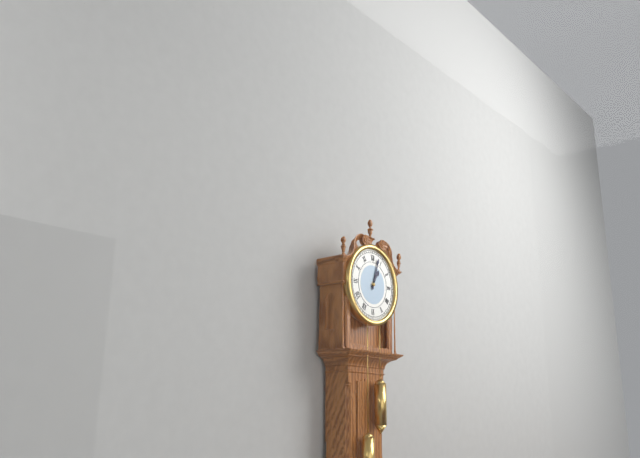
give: {"hour": 1, "minute": 3}
